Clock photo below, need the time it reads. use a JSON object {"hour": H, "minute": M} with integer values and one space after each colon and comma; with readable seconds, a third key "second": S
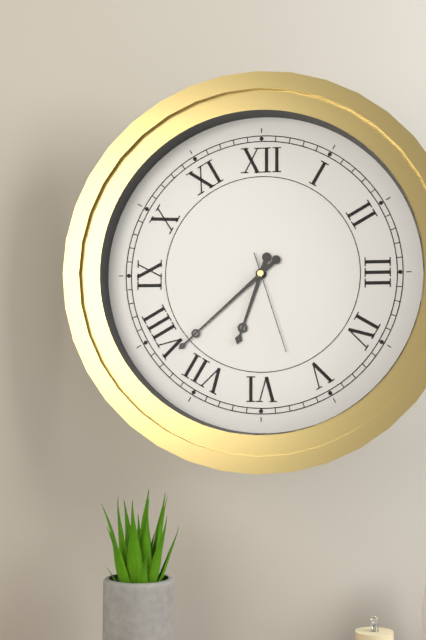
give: {"hour": 6, "minute": 38, "second": 27}
